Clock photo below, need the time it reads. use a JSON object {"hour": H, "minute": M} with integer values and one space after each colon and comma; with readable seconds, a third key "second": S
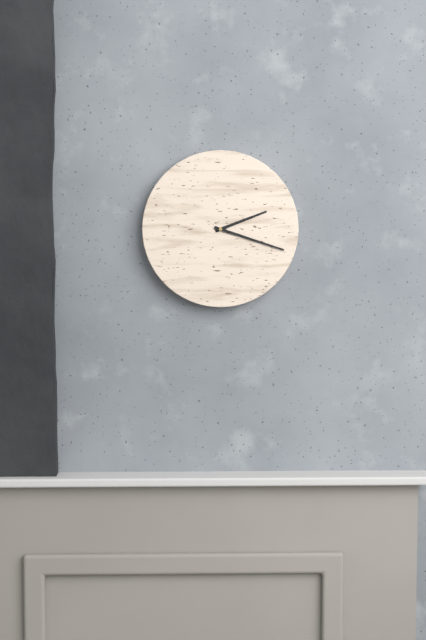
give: {"hour": 2, "minute": 18}
